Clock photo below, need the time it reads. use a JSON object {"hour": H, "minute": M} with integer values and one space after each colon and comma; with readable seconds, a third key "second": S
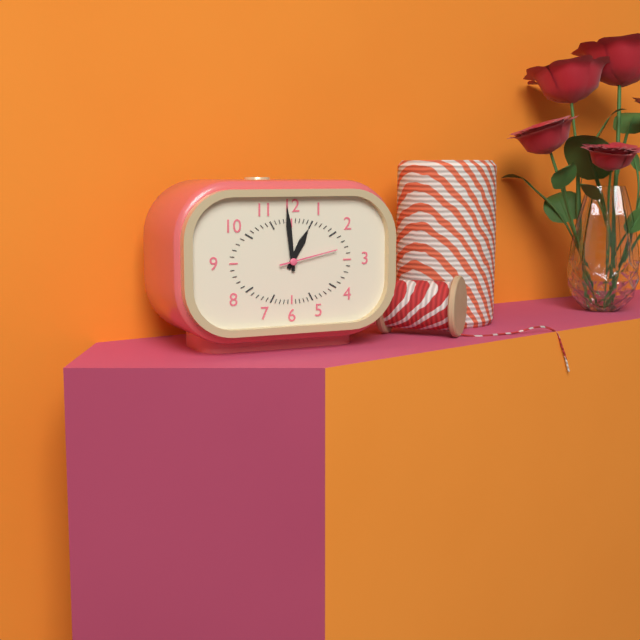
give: {"hour": 12, "minute": 59, "second": 13}
